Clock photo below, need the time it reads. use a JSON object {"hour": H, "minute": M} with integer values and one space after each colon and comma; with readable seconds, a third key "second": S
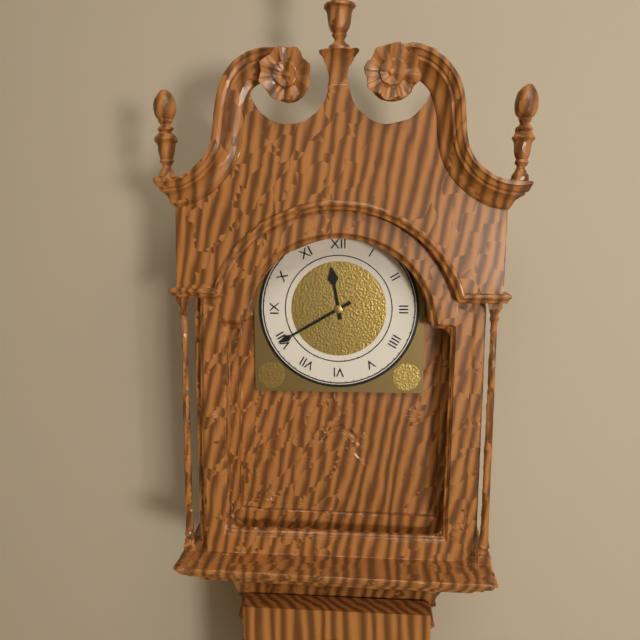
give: {"hour": 11, "minute": 40}
